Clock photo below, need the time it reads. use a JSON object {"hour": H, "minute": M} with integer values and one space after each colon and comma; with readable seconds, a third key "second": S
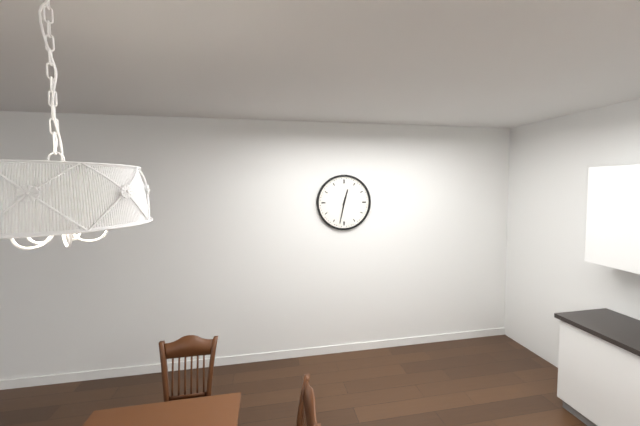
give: {"hour": 12, "minute": 32}
